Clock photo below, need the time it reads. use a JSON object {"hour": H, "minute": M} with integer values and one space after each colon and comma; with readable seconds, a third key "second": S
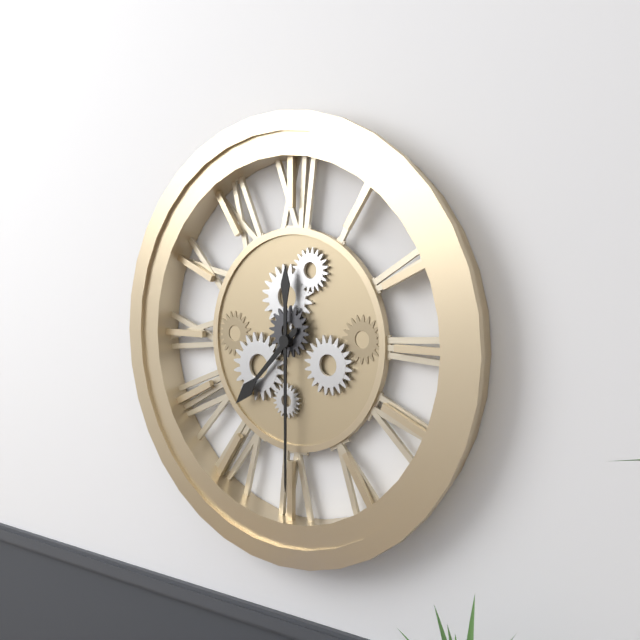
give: {"hour": 7, "minute": 30}
